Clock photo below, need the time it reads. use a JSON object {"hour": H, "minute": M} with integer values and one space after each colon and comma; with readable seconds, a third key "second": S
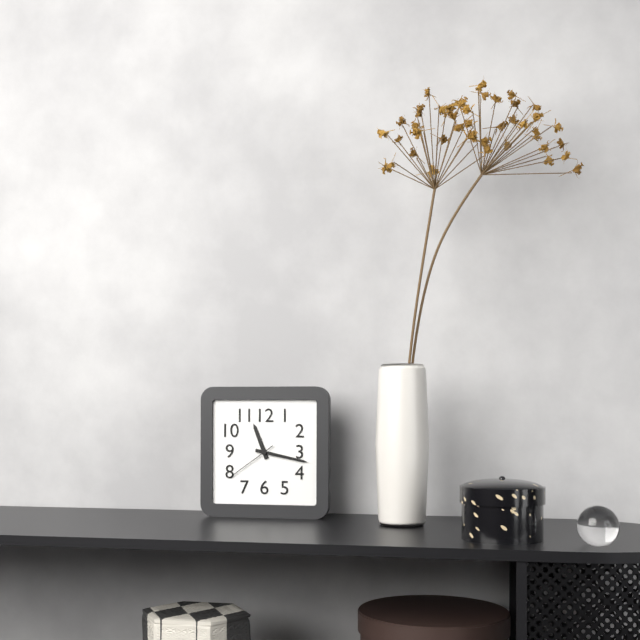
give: {"hour": 11, "minute": 17, "second": 39}
